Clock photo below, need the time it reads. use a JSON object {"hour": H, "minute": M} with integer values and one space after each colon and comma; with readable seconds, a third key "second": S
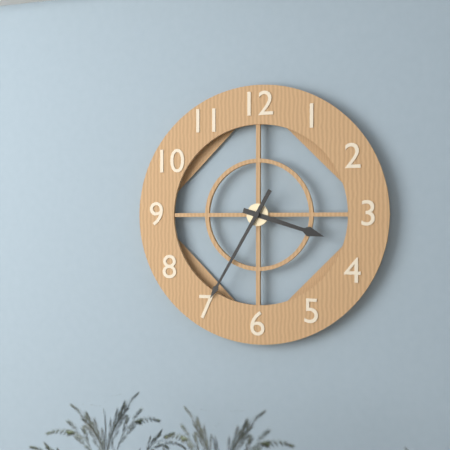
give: {"hour": 3, "minute": 35}
